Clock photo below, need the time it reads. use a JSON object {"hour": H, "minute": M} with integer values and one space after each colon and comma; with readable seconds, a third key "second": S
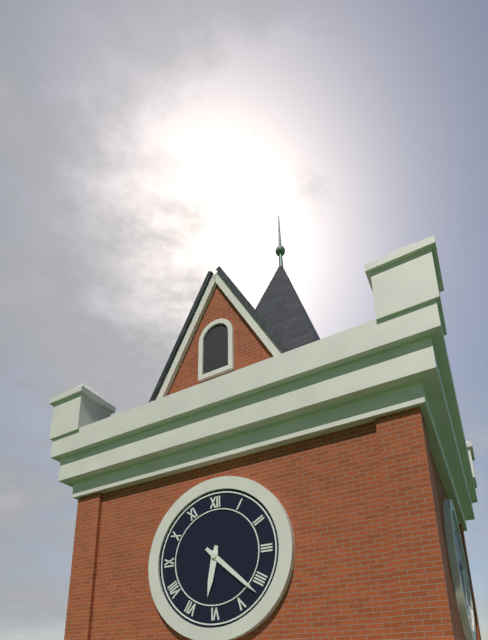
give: {"hour": 6, "minute": 22}
